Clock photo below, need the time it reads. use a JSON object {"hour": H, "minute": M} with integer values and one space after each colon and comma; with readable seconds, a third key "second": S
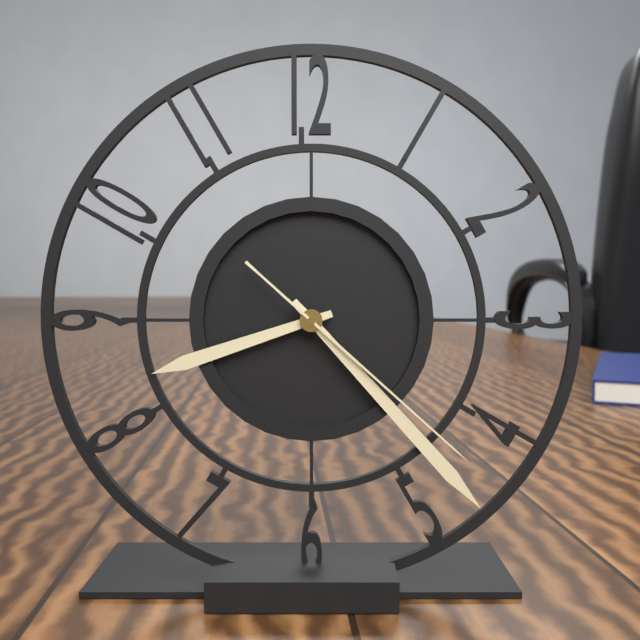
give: {"hour": 8, "minute": 23, "second": 22}
